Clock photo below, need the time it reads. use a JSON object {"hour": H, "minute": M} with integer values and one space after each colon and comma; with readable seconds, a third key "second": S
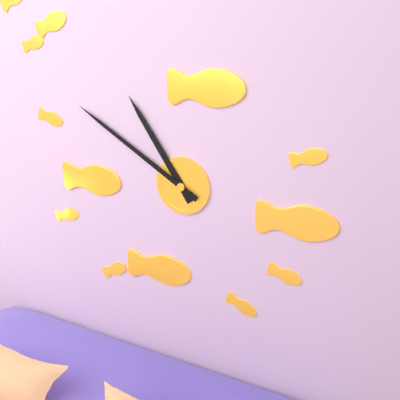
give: {"hour": 10, "minute": 50}
